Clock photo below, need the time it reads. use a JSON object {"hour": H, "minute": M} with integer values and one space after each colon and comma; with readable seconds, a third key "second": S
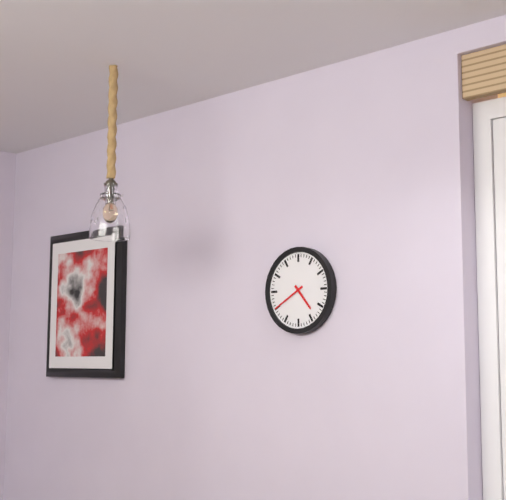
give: {"hour": 4, "minute": 40}
